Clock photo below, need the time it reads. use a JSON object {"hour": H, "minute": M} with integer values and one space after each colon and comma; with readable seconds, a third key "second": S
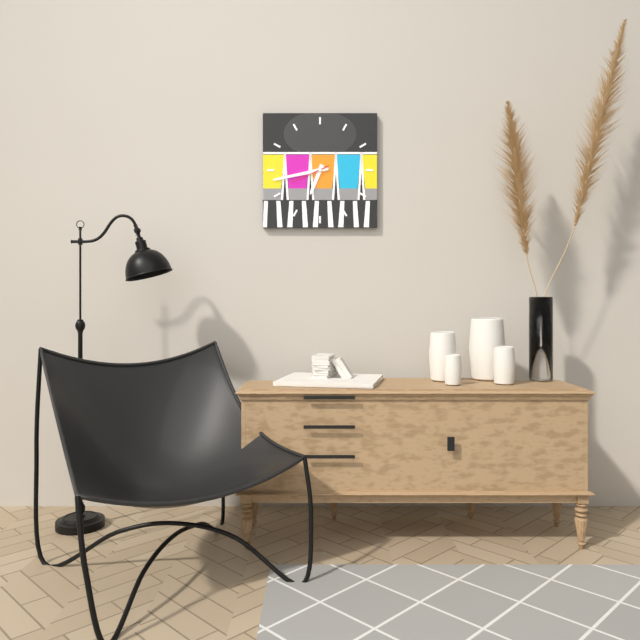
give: {"hour": 6, "minute": 43}
